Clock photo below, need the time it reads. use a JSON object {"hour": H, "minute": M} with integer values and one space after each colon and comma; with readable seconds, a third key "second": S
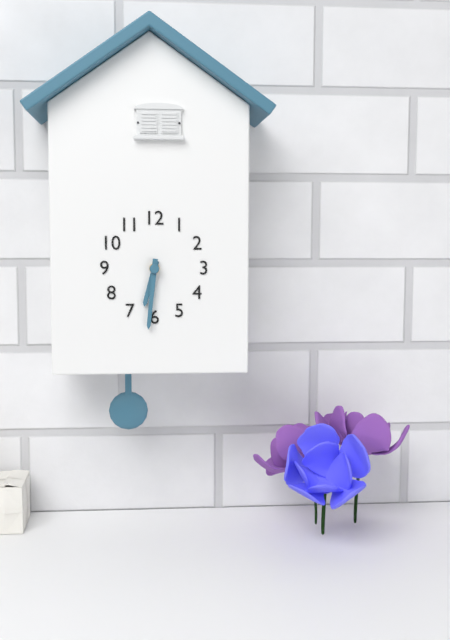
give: {"hour": 6, "minute": 31}
